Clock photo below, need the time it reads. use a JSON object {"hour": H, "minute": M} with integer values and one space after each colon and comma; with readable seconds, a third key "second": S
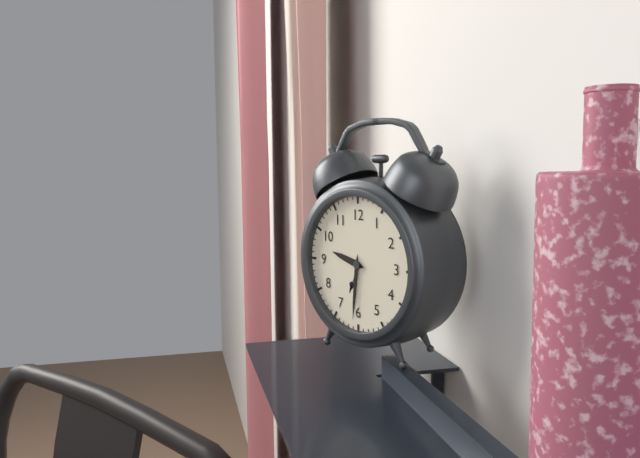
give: {"hour": 9, "minute": 31}
